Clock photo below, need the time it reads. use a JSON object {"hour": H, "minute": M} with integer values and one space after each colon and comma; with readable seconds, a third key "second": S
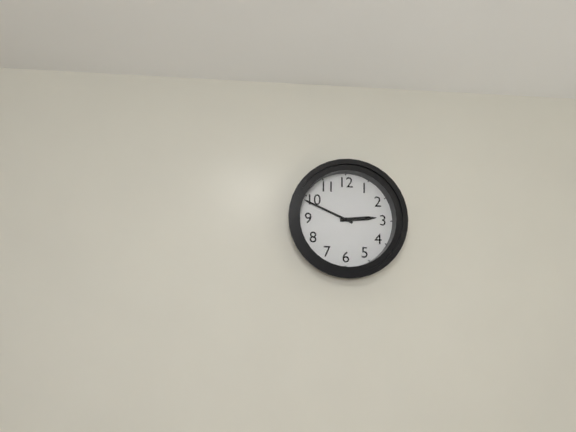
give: {"hour": 2, "minute": 49}
